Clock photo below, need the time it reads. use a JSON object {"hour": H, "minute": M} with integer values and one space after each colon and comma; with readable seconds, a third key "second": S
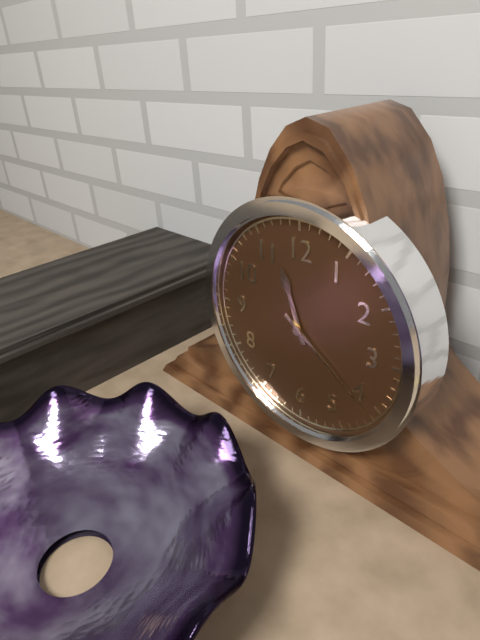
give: {"hour": 11, "minute": 21}
